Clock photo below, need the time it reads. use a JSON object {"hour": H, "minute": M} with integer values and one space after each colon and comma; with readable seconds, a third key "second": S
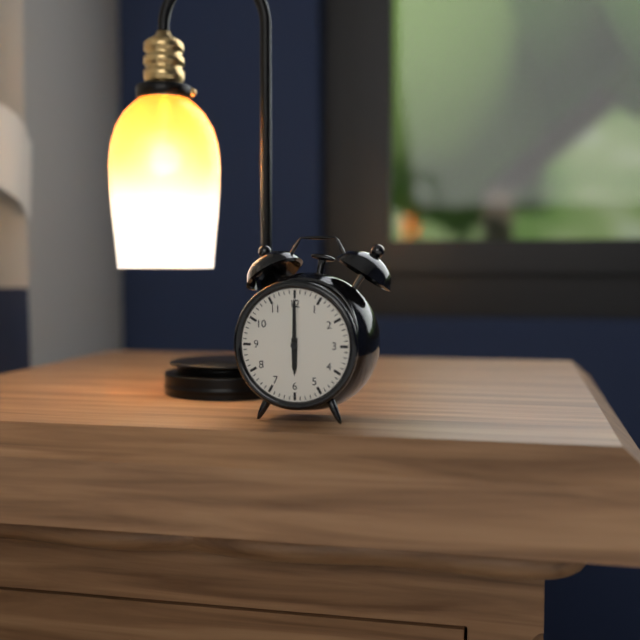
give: {"hour": 6, "minute": 0}
